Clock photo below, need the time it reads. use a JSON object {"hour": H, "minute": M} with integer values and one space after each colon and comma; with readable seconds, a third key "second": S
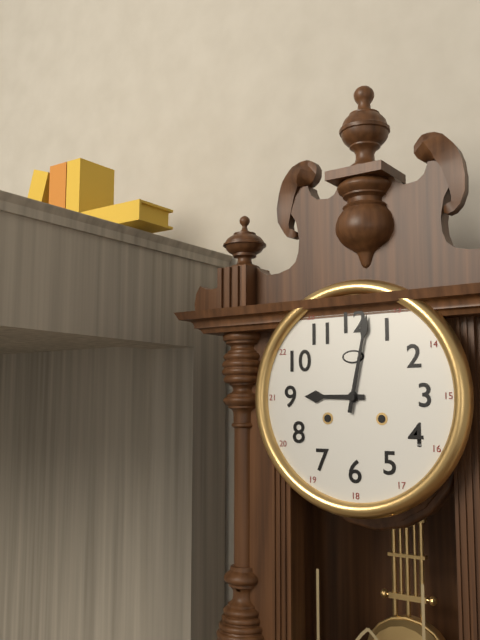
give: {"hour": 9, "minute": 2}
